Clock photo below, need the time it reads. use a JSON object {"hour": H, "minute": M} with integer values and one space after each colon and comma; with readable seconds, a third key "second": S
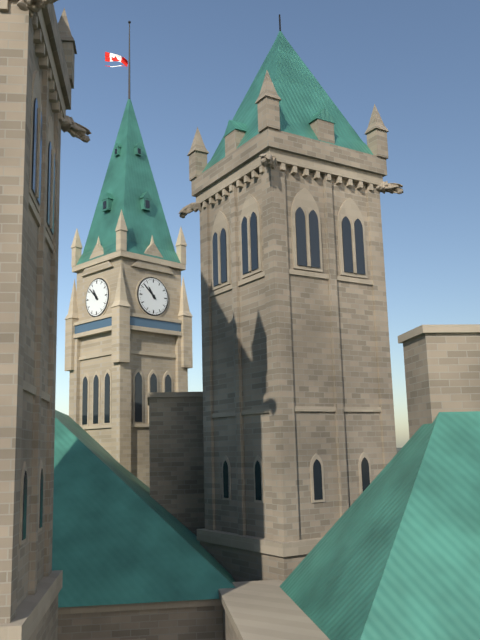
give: {"hour": 10, "minute": 52}
